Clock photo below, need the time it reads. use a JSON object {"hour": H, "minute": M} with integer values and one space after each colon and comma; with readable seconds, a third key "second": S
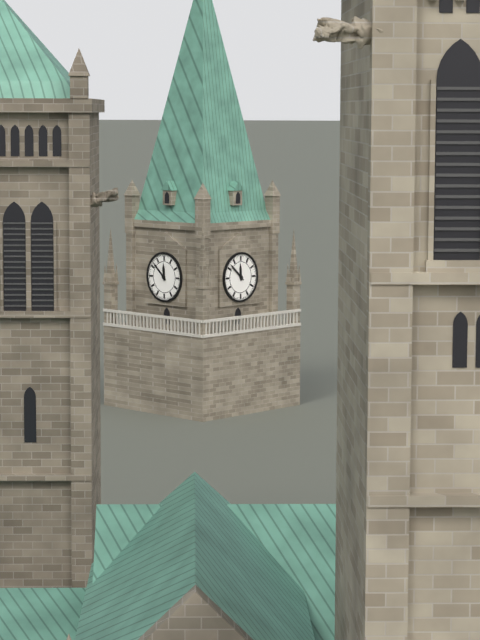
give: {"hour": 11, "minute": 52}
